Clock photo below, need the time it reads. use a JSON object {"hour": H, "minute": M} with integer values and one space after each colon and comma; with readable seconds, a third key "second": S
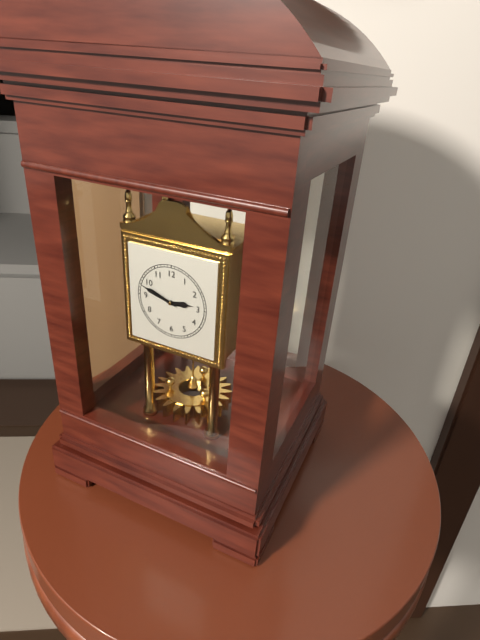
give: {"hour": 2, "minute": 48}
